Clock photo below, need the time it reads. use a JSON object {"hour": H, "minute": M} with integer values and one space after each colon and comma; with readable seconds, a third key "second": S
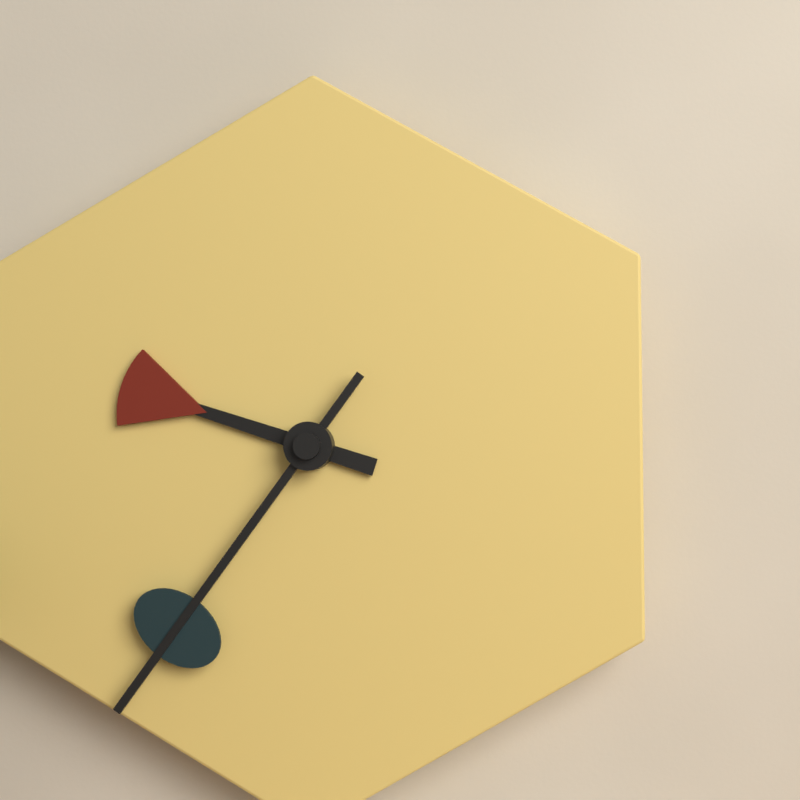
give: {"hour": 9, "minute": 36}
